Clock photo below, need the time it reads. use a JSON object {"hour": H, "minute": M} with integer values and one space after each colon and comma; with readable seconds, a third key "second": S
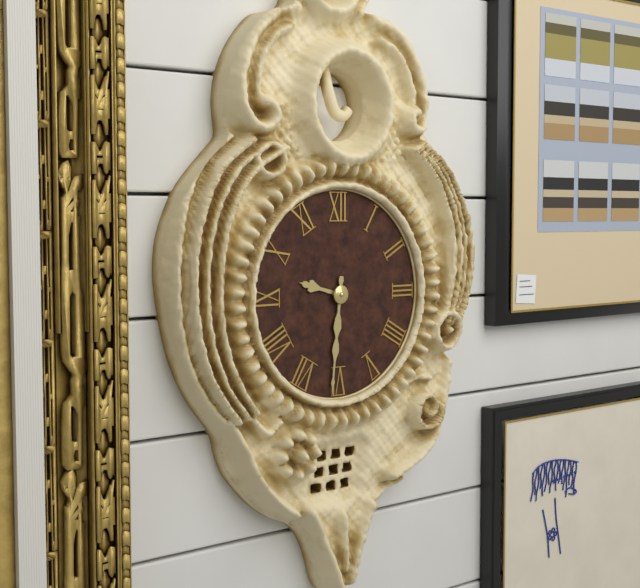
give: {"hour": 9, "minute": 31}
